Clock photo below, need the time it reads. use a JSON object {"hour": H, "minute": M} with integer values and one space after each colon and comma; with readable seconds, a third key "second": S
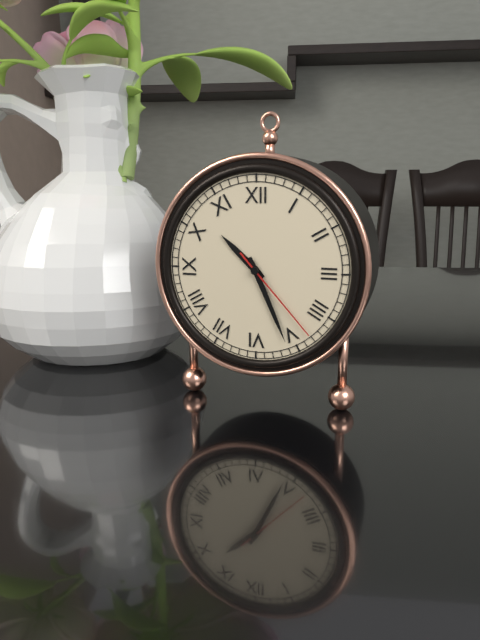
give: {"hour": 10, "minute": 26, "second": 23}
